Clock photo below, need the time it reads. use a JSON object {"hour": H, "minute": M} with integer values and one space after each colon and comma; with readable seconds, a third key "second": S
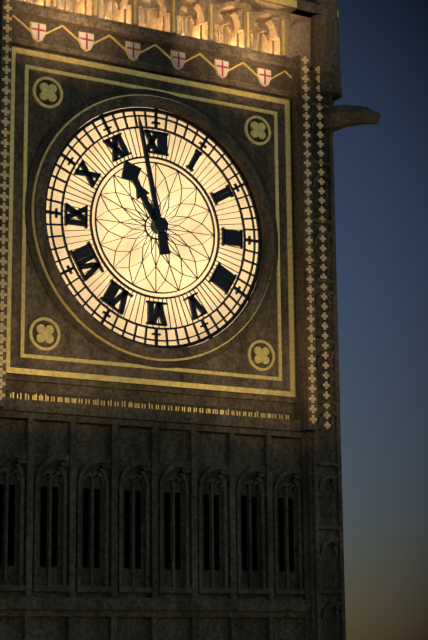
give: {"hour": 10, "minute": 58}
